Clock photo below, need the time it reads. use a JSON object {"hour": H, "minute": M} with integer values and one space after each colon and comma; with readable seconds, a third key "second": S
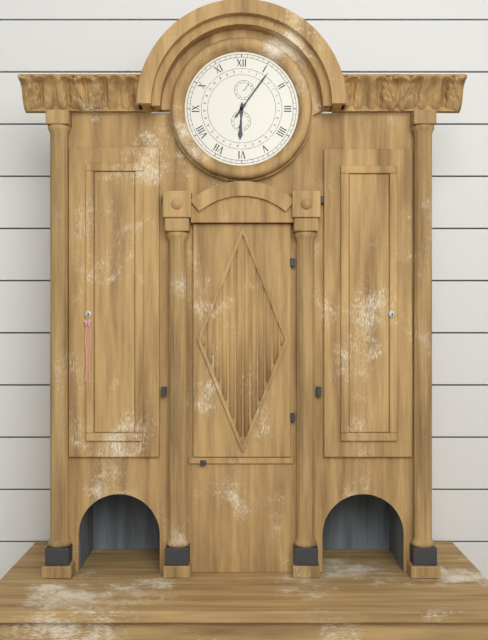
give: {"hour": 6, "minute": 6}
